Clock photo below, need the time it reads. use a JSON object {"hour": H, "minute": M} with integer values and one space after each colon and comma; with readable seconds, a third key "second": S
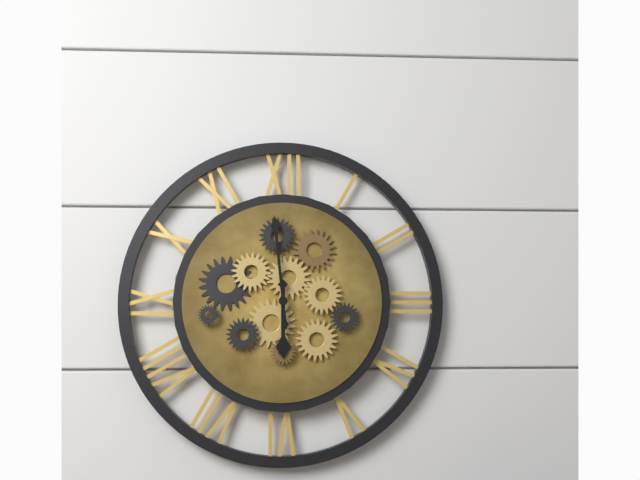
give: {"hour": 5, "minute": 59}
